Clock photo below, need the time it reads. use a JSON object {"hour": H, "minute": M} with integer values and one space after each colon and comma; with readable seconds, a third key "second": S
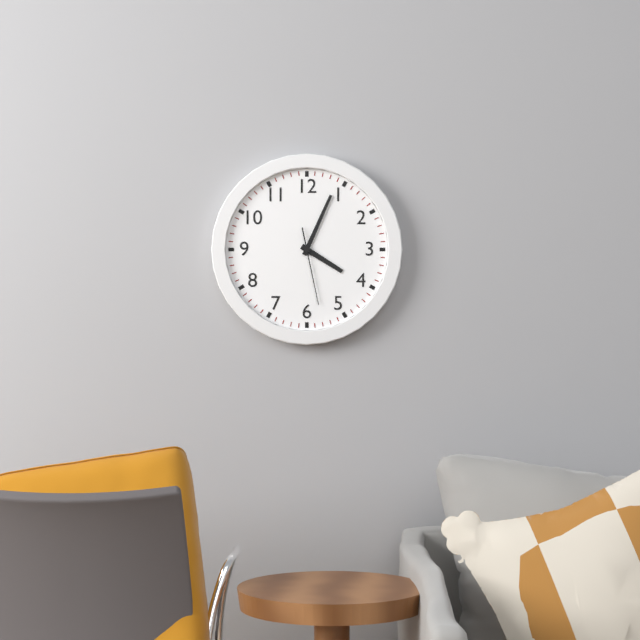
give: {"hour": 4, "minute": 4, "second": 28}
